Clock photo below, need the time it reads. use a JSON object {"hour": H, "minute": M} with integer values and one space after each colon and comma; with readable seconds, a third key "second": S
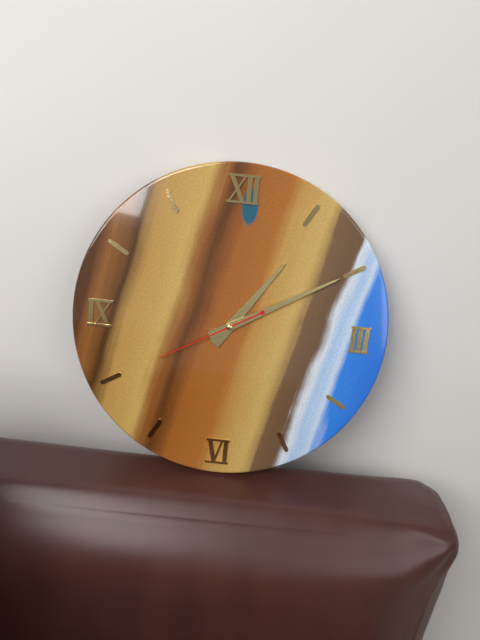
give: {"hour": 1, "minute": 10, "second": 40}
